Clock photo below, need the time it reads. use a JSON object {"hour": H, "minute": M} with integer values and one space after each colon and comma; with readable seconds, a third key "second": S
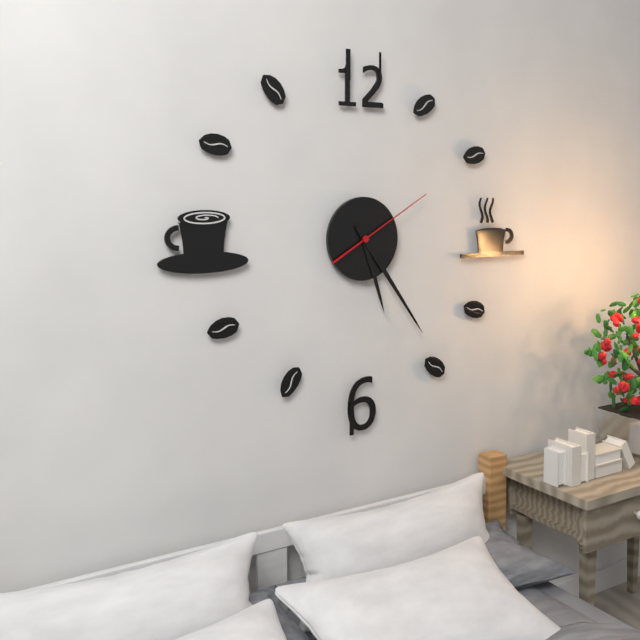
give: {"hour": 5, "minute": 24, "second": 10}
